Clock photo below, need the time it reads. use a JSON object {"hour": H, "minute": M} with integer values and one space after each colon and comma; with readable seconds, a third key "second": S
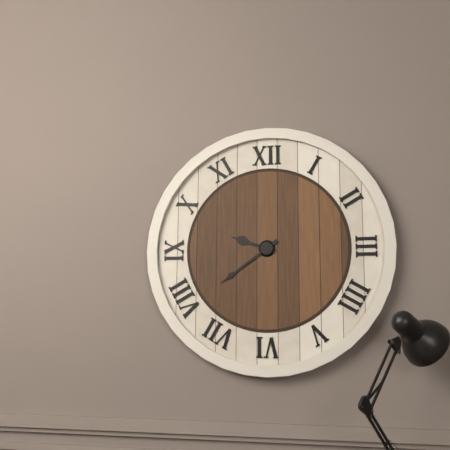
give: {"hour": 9, "minute": 39}
